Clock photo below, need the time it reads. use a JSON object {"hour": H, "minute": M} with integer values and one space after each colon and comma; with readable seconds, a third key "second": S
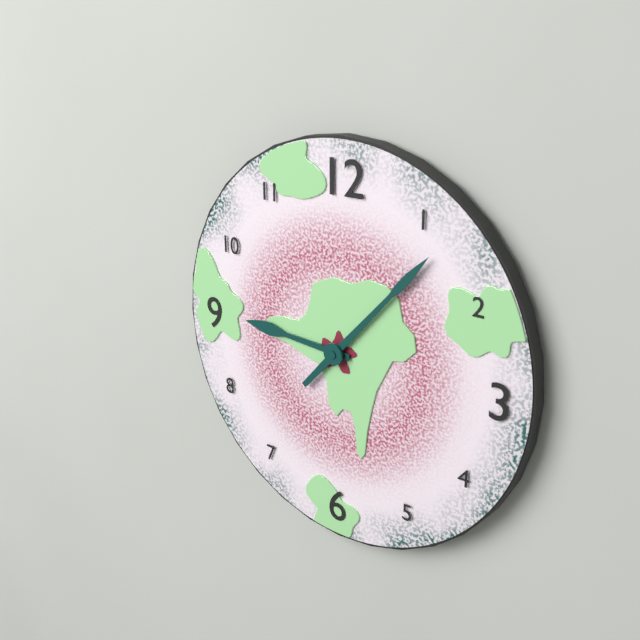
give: {"hour": 9, "minute": 7}
